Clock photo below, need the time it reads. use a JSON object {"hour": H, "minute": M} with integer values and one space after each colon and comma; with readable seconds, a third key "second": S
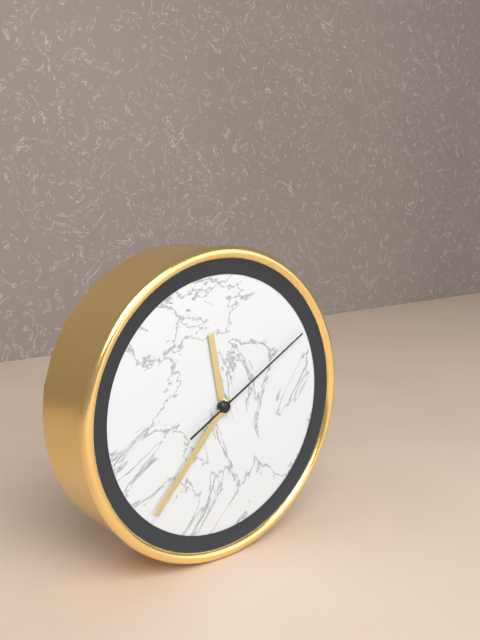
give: {"hour": 11, "minute": 37, "second": 10}
